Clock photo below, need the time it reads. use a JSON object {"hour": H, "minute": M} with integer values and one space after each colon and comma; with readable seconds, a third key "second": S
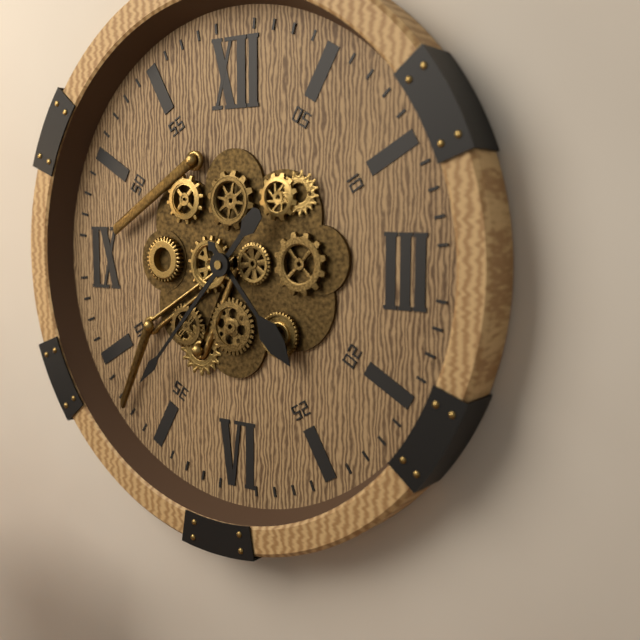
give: {"hour": 4, "minute": 37}
